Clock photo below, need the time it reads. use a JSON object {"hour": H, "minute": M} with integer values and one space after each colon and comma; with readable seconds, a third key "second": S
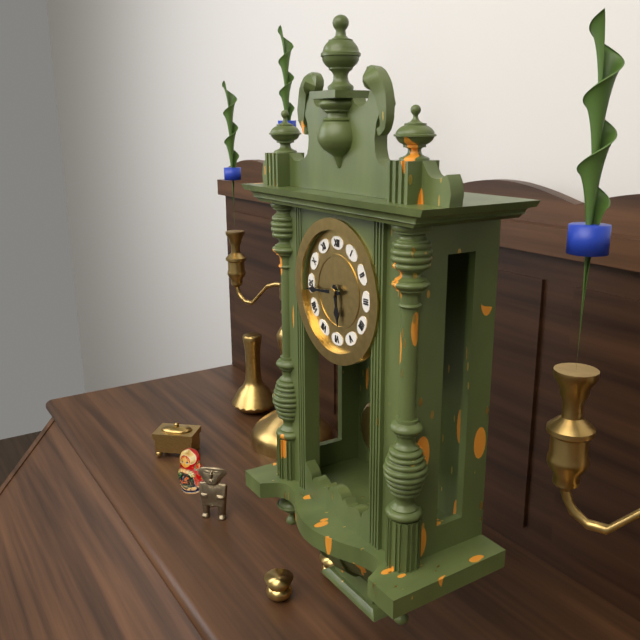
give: {"hour": 5, "minute": 44}
